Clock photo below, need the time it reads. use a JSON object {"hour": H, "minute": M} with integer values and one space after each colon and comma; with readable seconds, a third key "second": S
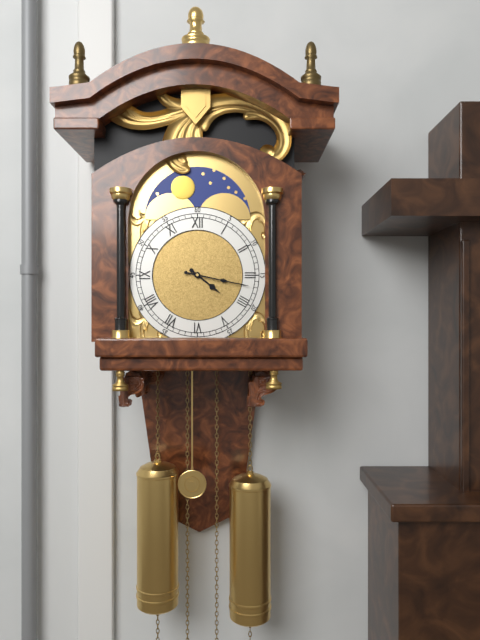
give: {"hour": 4, "minute": 17}
